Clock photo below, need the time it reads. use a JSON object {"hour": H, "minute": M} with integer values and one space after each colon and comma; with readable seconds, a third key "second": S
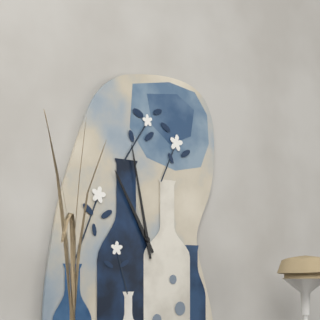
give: {"hour": 10, "minute": 58}
